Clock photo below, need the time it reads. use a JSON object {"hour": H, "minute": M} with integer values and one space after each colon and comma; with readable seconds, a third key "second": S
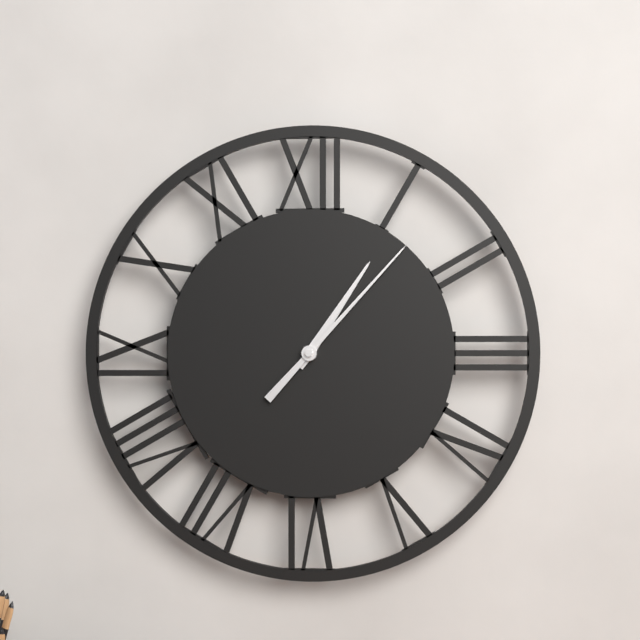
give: {"hour": 1, "minute": 7}
